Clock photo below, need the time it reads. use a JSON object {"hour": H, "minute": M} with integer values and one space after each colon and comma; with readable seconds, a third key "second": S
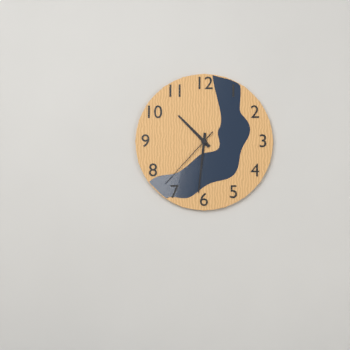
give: {"hour": 10, "minute": 31, "second": 37}
